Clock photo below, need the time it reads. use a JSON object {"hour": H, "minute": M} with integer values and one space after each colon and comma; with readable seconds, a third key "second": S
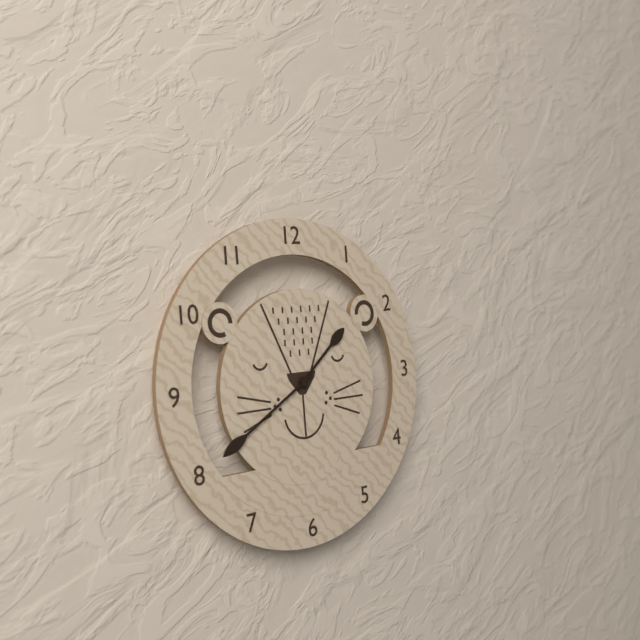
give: {"hour": 1, "minute": 40}
